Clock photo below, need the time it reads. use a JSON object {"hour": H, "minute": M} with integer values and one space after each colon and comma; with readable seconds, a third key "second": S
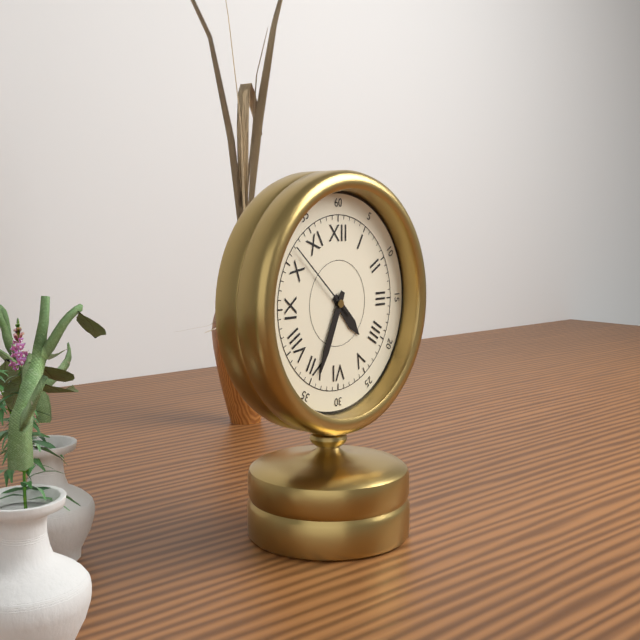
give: {"hour": 4, "minute": 34, "second": 52}
